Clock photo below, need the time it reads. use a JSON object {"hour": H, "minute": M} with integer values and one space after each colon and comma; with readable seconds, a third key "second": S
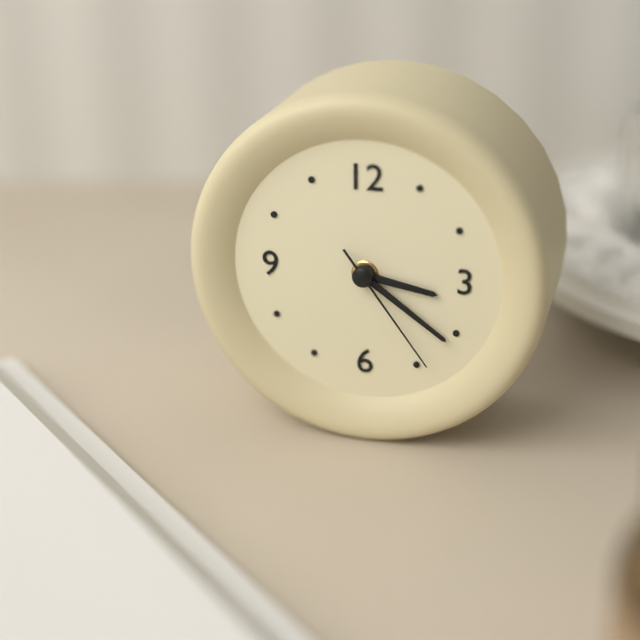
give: {"hour": 3, "minute": 21, "second": 24}
